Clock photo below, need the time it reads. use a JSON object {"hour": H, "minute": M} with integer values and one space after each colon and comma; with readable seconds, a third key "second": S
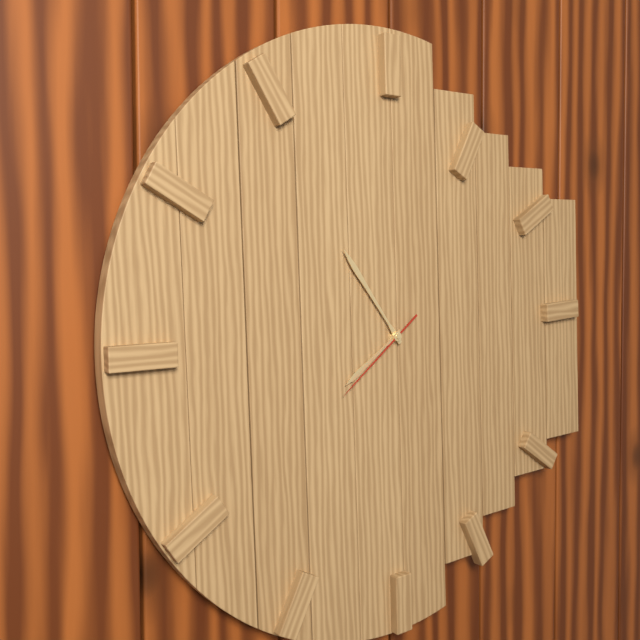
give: {"hour": 7, "minute": 54, "second": 39}
